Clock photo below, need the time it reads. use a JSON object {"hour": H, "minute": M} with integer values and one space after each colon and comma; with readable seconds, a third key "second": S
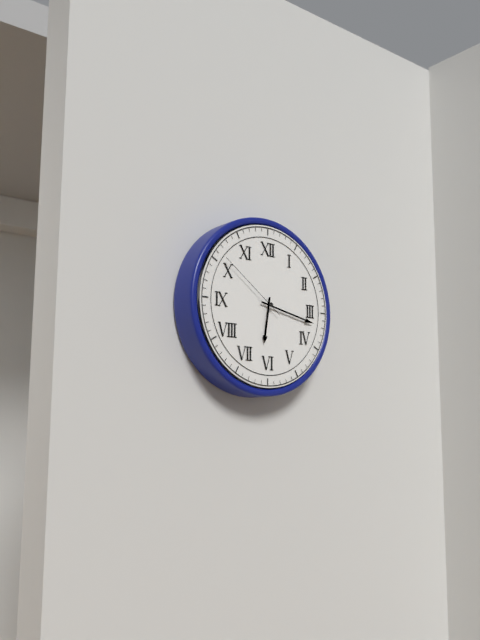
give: {"hour": 6, "minute": 17, "second": 51}
